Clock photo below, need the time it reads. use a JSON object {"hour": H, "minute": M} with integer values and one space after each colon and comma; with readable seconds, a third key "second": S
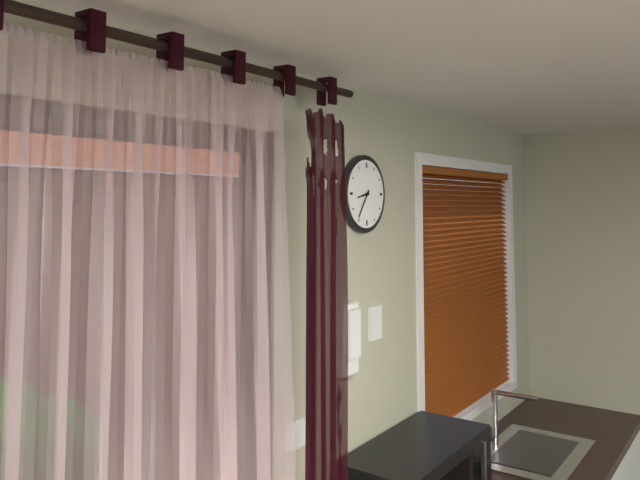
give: {"hour": 8, "minute": 36}
